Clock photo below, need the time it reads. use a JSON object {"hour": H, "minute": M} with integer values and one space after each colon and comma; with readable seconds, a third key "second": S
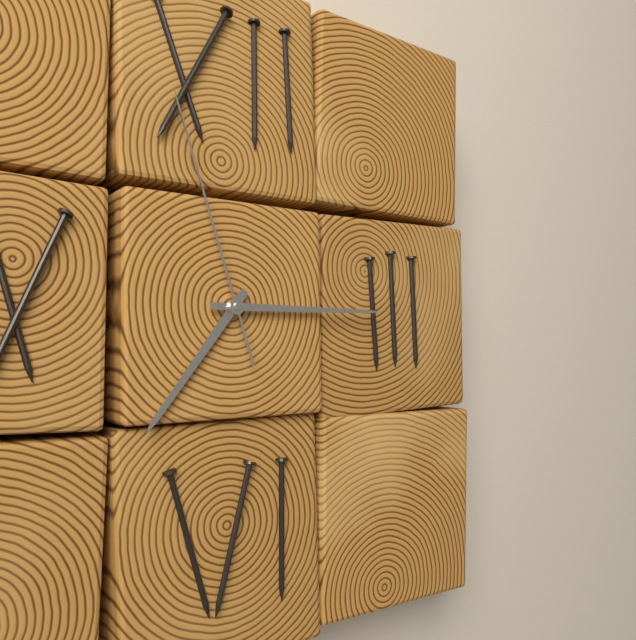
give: {"hour": 7, "minute": 15, "second": 57}
